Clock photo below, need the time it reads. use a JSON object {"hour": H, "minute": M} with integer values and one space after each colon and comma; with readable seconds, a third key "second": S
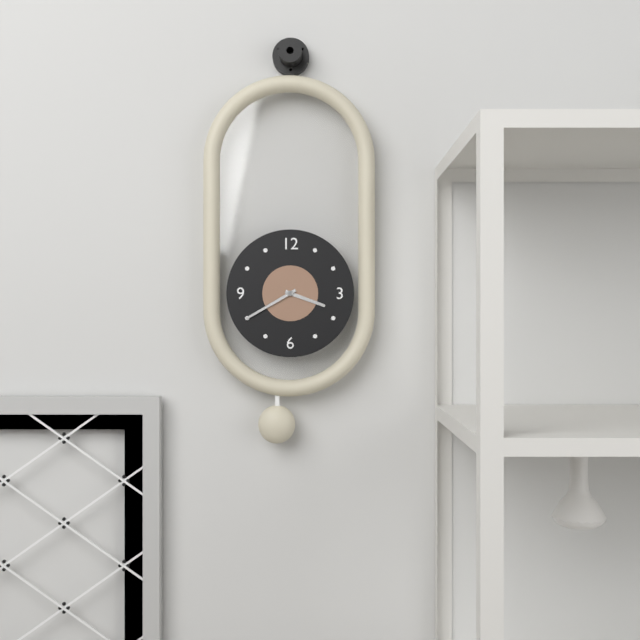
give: {"hour": 3, "minute": 40}
